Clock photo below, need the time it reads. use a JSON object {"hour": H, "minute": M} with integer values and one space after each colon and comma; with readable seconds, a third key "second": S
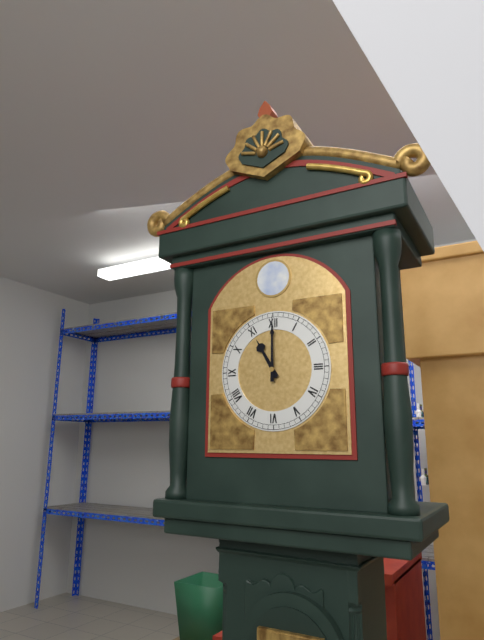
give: {"hour": 11, "minute": 0}
